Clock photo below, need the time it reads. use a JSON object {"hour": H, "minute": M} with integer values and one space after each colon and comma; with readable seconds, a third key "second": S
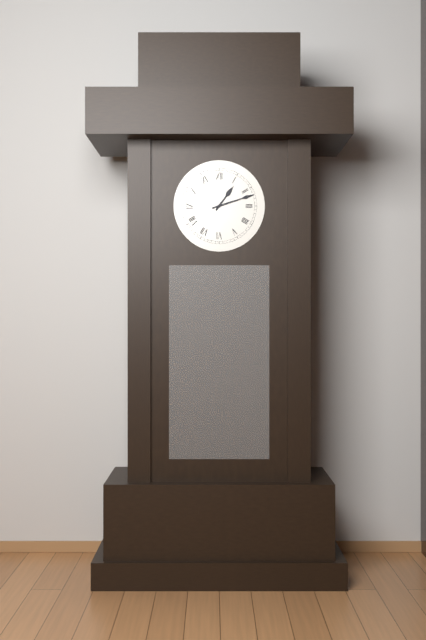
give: {"hour": 1, "minute": 12}
